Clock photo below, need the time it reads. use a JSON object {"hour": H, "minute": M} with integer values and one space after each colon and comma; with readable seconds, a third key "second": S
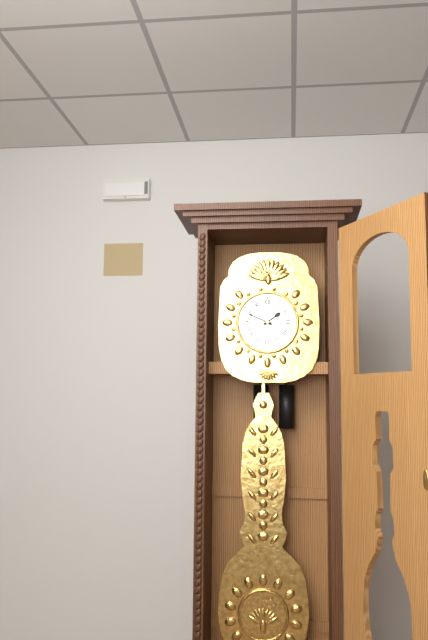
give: {"hour": 1, "minute": 49}
